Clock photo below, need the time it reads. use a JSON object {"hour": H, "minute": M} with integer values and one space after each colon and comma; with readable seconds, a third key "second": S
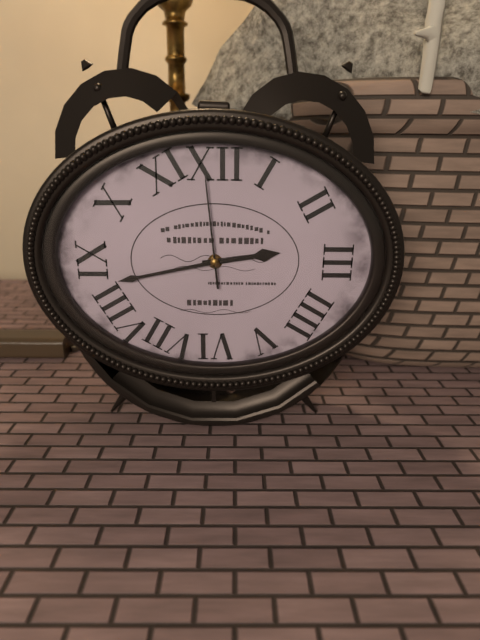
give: {"hour": 2, "minute": 43, "second": 59}
